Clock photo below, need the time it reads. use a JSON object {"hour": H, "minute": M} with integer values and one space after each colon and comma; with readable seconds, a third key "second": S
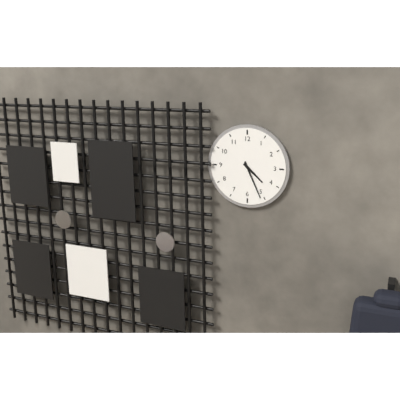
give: {"hour": 4, "minute": 26}
